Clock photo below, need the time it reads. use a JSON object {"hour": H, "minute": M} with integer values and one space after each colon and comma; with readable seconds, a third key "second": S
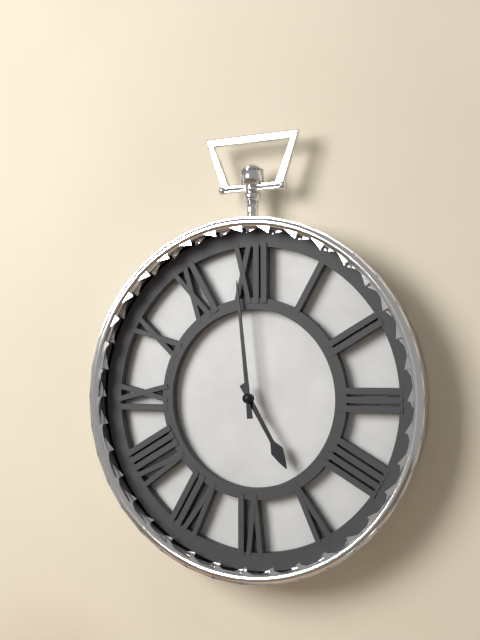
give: {"hour": 4, "minute": 59}
